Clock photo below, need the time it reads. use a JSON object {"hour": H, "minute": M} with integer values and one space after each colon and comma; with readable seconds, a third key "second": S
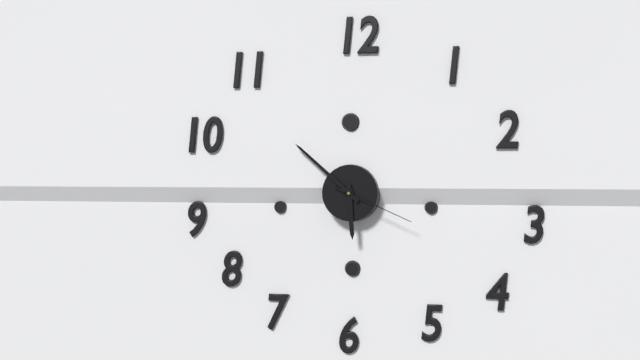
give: {"hour": 5, "minute": 52, "second": 19}
